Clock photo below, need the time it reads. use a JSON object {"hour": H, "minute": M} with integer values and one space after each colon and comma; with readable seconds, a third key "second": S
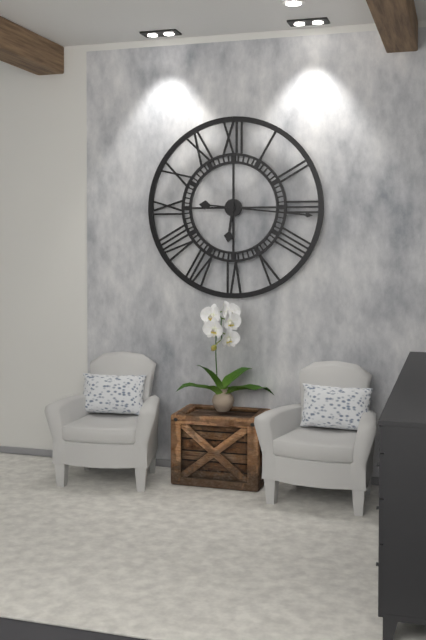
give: {"hour": 6, "minute": 16}
